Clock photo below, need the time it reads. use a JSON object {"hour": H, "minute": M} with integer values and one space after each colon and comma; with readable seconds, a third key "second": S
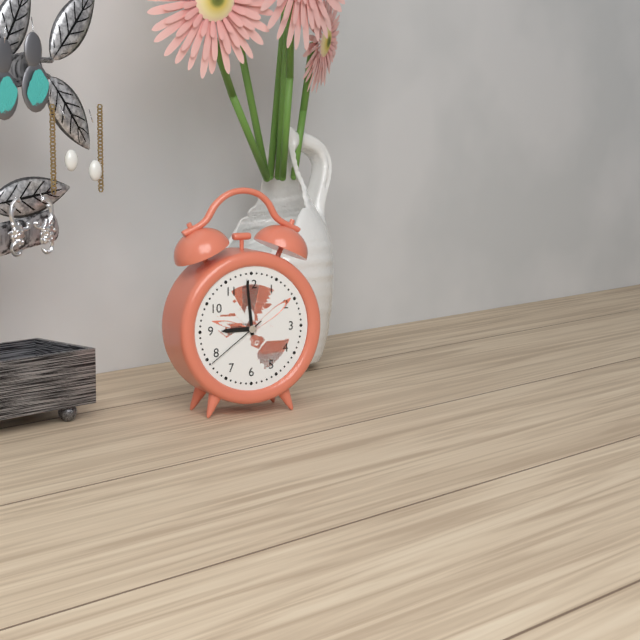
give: {"hour": 8, "minute": 59, "second": 39}
